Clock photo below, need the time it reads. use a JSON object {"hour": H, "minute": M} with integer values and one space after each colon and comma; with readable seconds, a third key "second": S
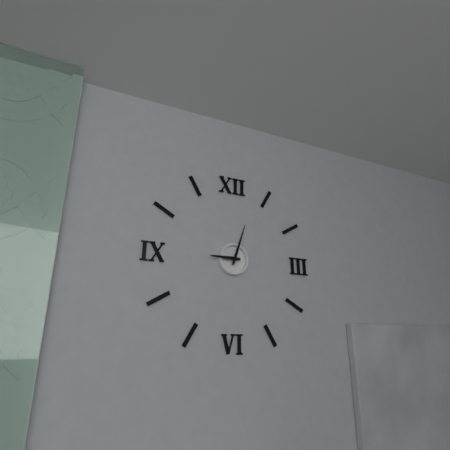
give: {"hour": 9, "minute": 3}
